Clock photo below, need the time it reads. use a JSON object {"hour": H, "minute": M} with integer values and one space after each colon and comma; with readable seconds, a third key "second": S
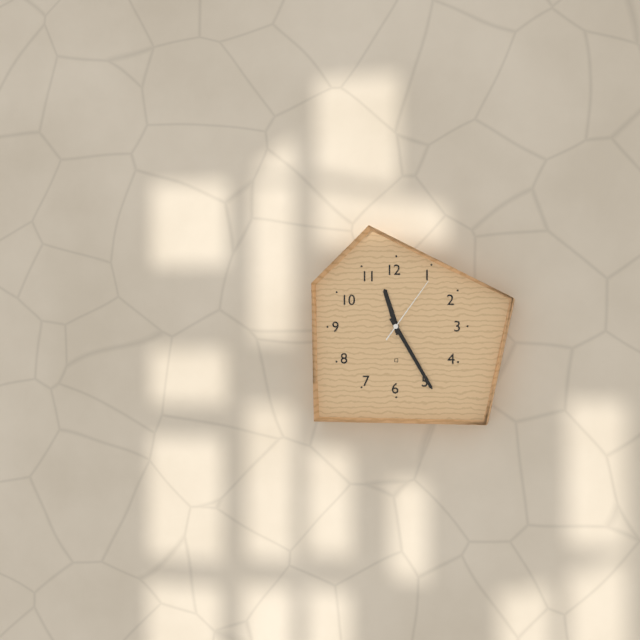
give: {"hour": 11, "minute": 25, "second": 6}
